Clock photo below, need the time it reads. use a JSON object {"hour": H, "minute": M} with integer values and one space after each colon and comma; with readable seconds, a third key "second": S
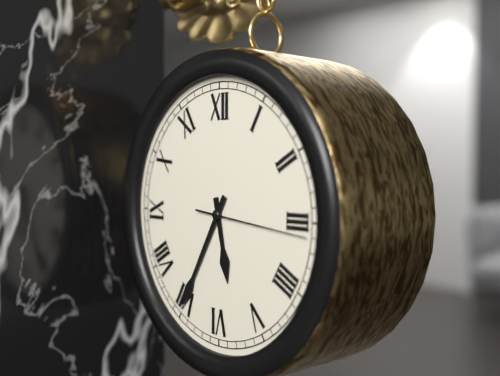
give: {"hour": 5, "minute": 35, "second": 16}
